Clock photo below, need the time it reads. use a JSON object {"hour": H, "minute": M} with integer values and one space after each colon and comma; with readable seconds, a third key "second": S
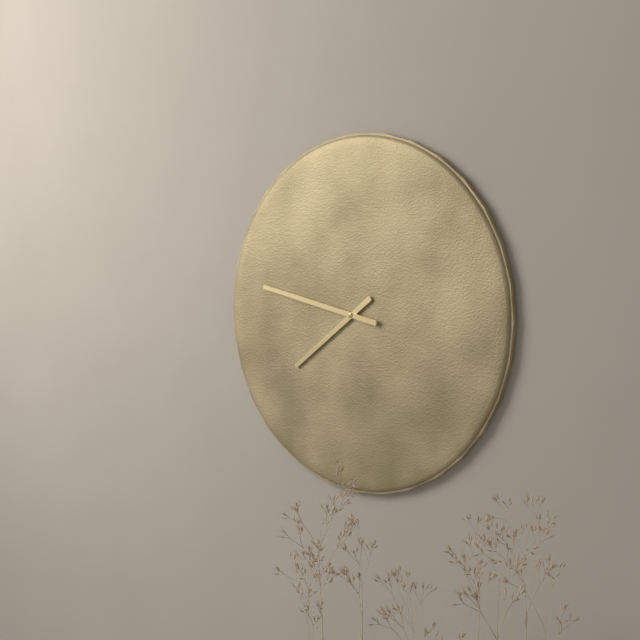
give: {"hour": 7, "minute": 47}
